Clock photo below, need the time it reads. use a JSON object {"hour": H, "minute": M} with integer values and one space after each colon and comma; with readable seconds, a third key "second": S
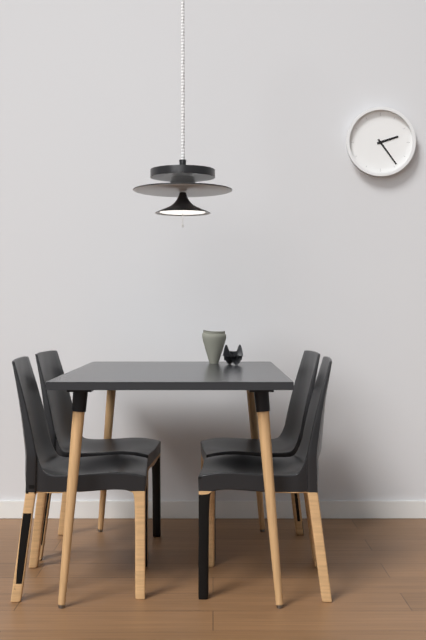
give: {"hour": 2, "minute": 24}
